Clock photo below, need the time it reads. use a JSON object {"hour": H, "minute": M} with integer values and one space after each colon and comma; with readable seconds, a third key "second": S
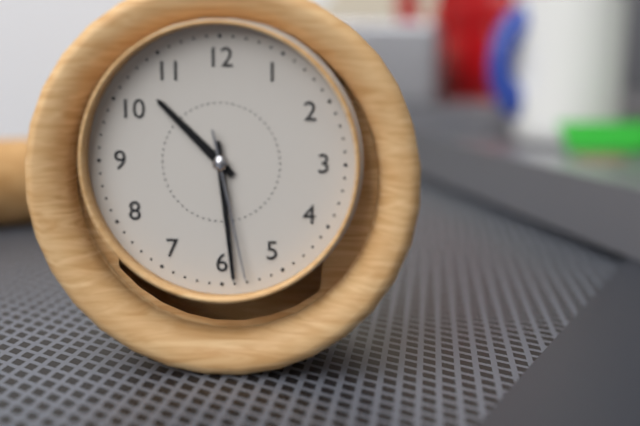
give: {"hour": 10, "minute": 29, "second": 28}
